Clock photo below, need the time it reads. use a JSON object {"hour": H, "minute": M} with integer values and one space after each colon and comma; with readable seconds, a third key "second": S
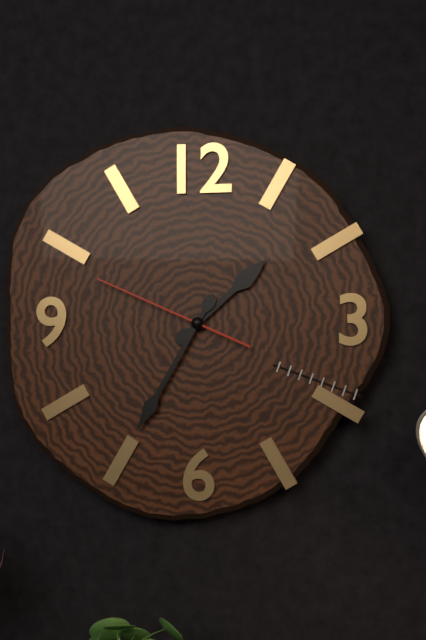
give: {"hour": 1, "minute": 35, "second": 49}
